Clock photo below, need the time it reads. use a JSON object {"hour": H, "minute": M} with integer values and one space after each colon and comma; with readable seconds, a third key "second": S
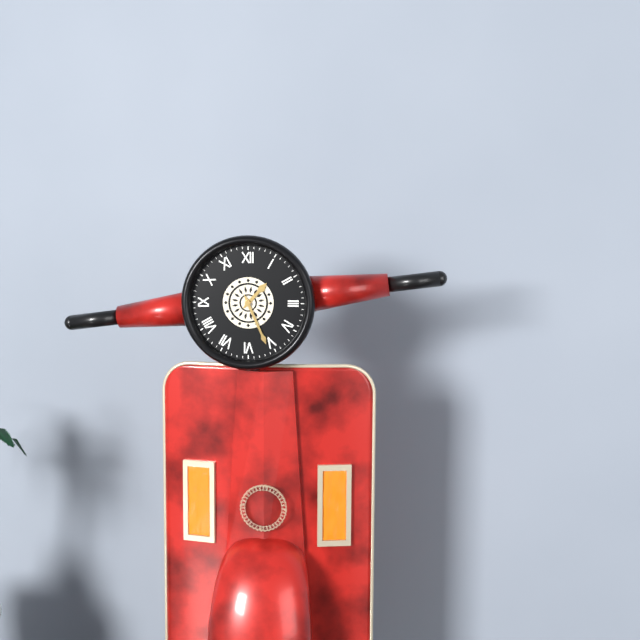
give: {"hour": 1, "minute": 26}
